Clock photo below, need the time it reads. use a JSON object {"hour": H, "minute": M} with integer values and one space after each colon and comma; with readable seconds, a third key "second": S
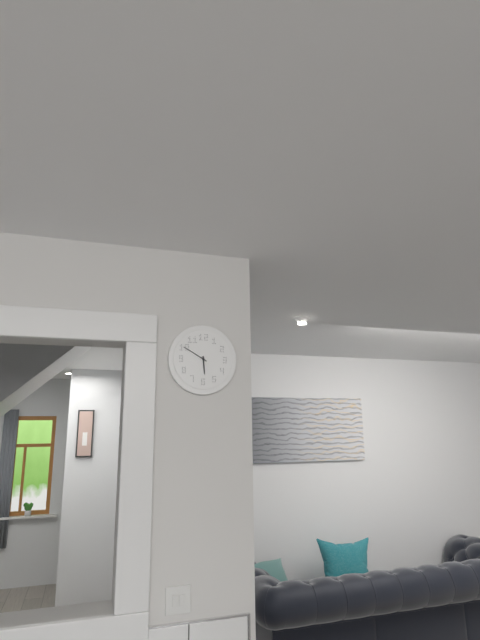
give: {"hour": 5, "minute": 50}
